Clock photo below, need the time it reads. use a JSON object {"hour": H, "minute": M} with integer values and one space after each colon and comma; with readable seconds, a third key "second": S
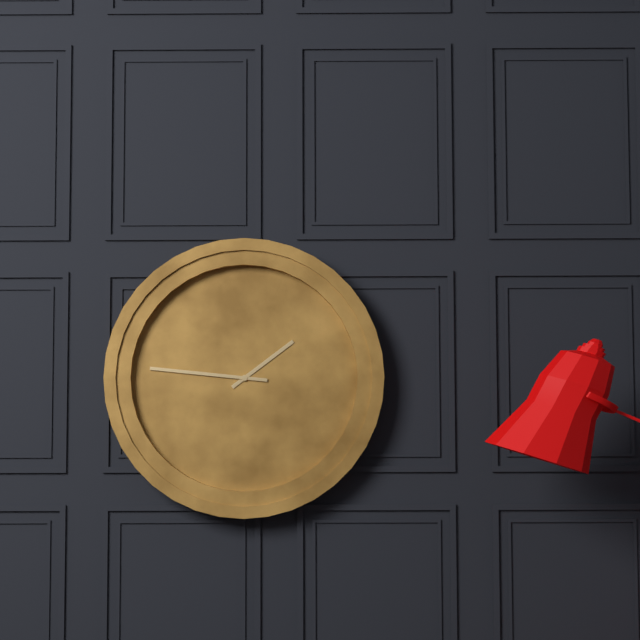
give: {"hour": 1, "minute": 46}
